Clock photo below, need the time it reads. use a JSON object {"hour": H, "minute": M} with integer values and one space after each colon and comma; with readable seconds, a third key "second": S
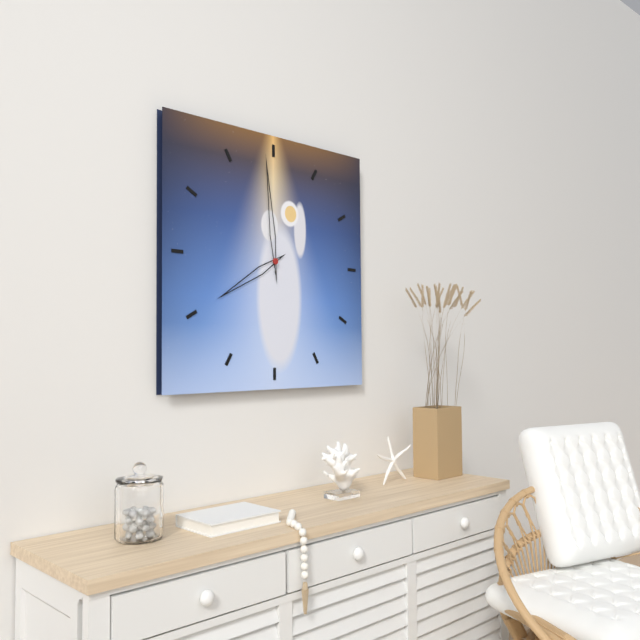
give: {"hour": 7, "minute": 59}
